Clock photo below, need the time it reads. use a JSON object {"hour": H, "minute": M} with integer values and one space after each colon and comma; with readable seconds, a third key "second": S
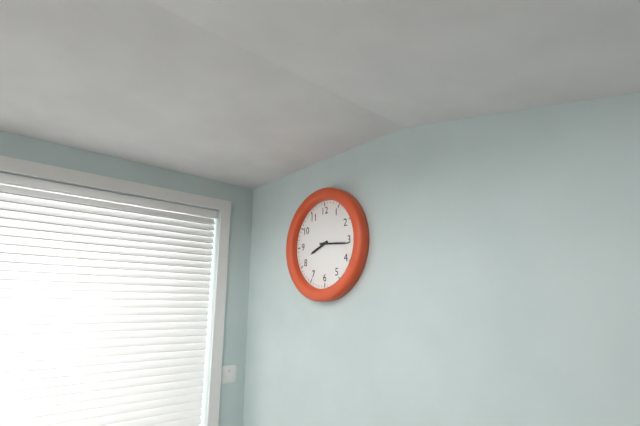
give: {"hour": 8, "minute": 16}
